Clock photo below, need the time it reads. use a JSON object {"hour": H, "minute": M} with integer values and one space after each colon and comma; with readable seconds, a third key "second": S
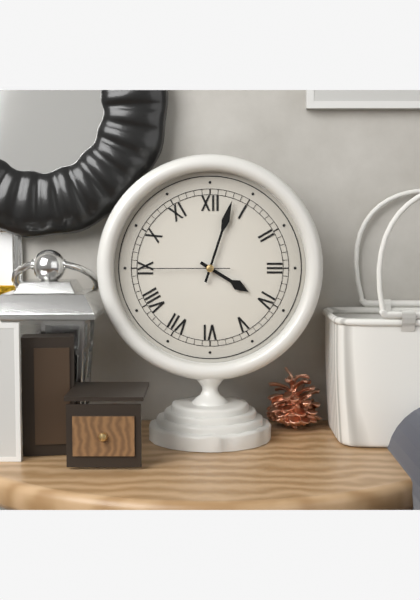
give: {"hour": 4, "minute": 3, "second": 45}
